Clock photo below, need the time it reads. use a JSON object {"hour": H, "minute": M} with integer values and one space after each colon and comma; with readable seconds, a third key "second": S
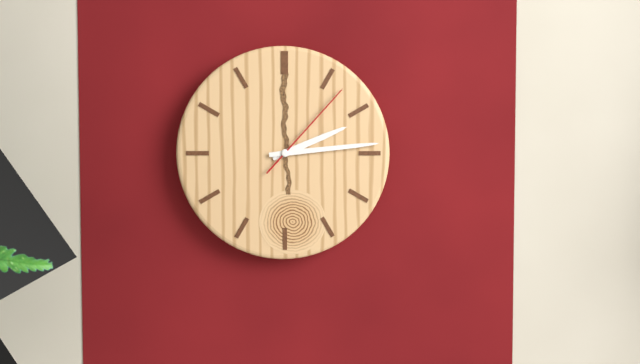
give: {"hour": 2, "minute": 14, "second": 7}
